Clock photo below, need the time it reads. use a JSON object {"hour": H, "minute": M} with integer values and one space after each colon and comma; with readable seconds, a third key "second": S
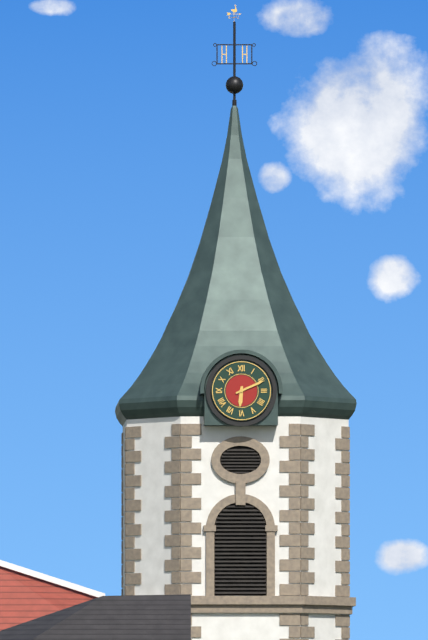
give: {"hour": 6, "minute": 11}
